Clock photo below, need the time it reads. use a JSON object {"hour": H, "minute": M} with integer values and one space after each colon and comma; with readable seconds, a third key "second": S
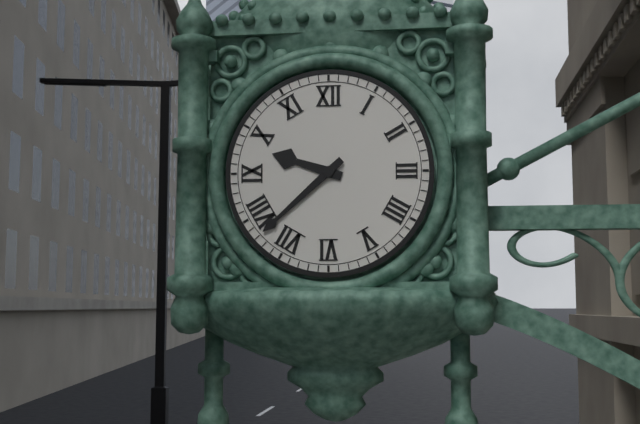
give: {"hour": 9, "minute": 38}
